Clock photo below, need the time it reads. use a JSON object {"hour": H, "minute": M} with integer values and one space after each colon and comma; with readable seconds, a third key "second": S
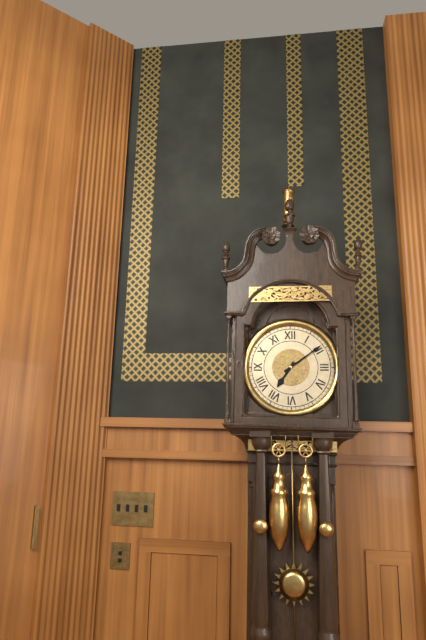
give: {"hour": 7, "minute": 9}
